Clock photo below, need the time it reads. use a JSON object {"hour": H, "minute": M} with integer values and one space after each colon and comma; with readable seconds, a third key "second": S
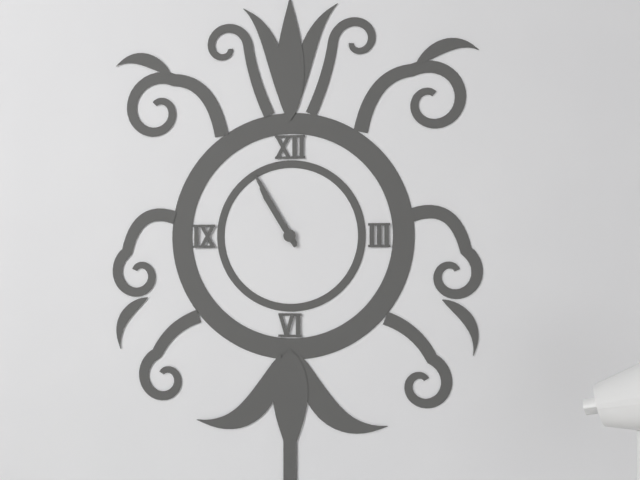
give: {"hour": 10, "minute": 55}
